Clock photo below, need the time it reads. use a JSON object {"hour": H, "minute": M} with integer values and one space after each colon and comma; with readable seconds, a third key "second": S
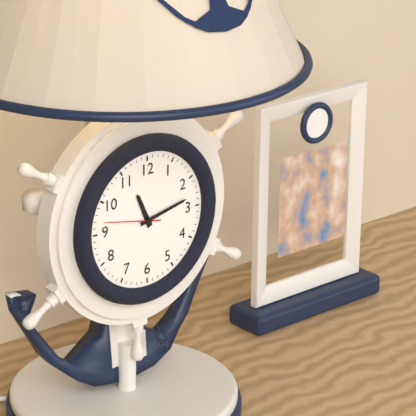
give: {"hour": 11, "minute": 13, "second": 47}
